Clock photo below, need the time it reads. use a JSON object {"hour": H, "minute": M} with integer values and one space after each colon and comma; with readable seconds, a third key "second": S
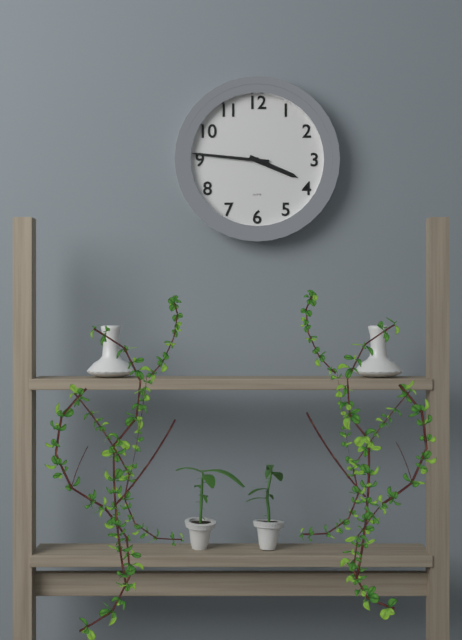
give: {"hour": 3, "minute": 46}
